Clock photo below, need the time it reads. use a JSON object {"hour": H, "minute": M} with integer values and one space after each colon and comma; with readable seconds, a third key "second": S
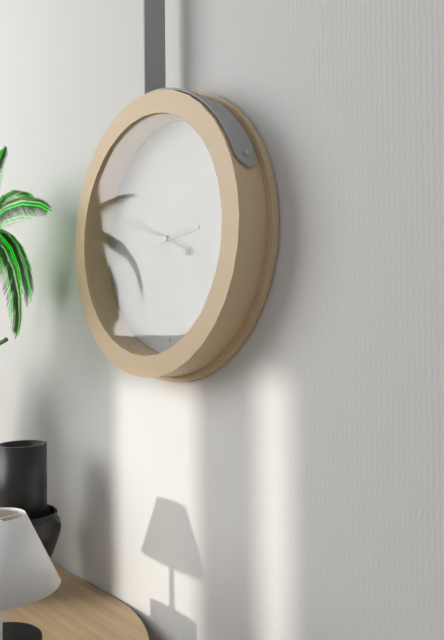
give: {"hour": 2, "minute": 48, "second": 49}
